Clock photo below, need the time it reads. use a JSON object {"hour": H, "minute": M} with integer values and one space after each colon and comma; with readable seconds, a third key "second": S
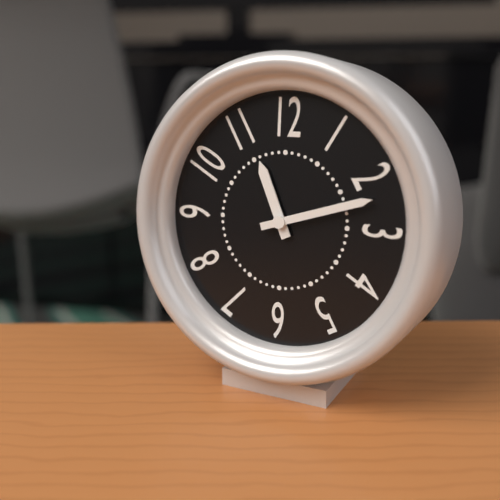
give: {"hour": 11, "minute": 12}
